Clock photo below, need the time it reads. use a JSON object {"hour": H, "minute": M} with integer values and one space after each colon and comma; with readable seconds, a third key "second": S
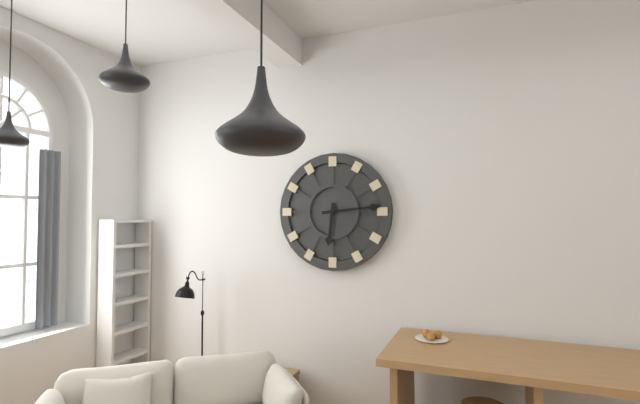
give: {"hour": 6, "minute": 14}
